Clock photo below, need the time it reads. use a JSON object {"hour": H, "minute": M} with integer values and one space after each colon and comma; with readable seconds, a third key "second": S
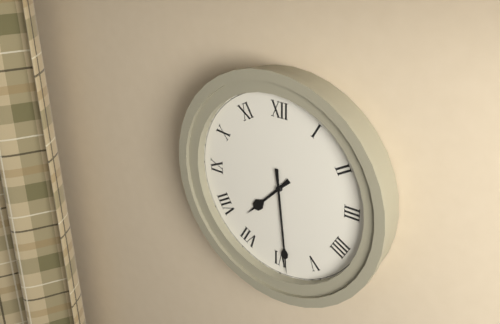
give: {"hour": 7, "minute": 29}
